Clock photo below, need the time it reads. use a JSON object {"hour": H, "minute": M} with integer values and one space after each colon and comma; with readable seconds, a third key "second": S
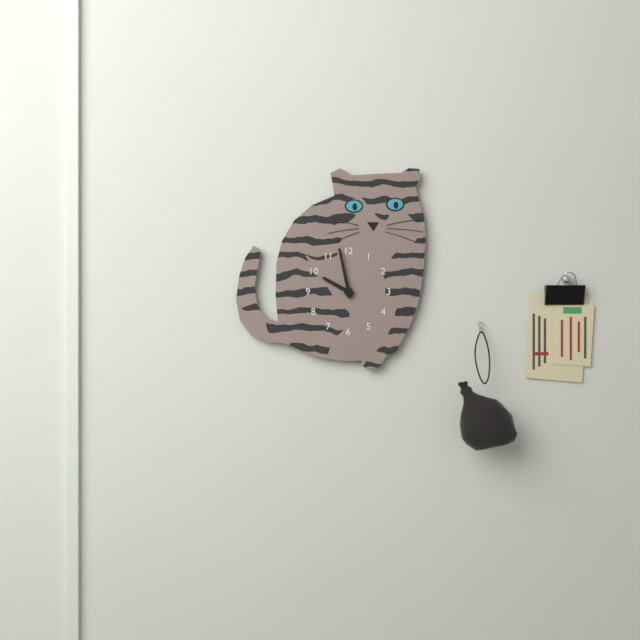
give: {"hour": 9, "minute": 58}
